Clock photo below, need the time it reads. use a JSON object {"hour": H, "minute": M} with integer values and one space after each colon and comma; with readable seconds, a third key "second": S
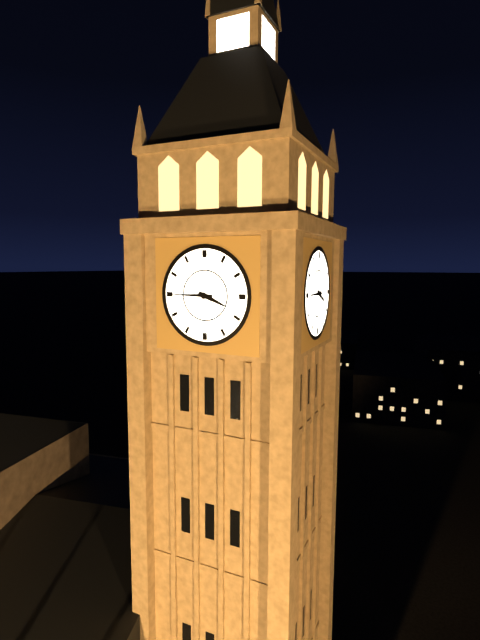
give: {"hour": 3, "minute": 45}
